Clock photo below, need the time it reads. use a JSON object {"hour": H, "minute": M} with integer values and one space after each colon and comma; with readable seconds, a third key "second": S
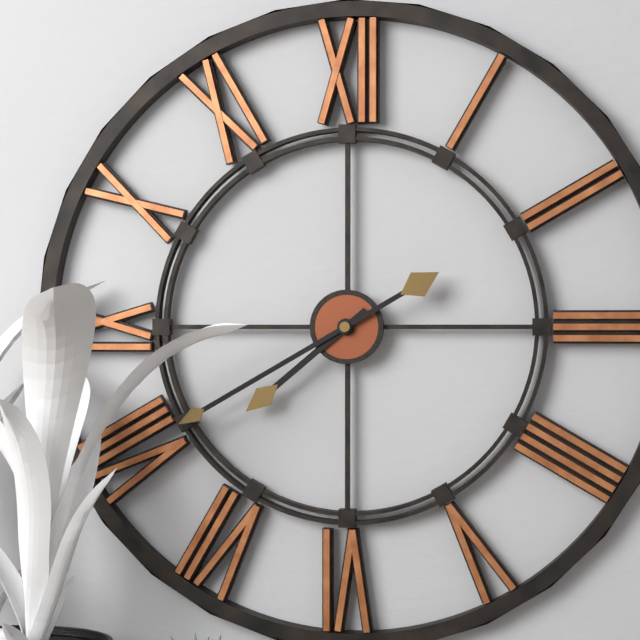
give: {"hour": 7, "minute": 40}
